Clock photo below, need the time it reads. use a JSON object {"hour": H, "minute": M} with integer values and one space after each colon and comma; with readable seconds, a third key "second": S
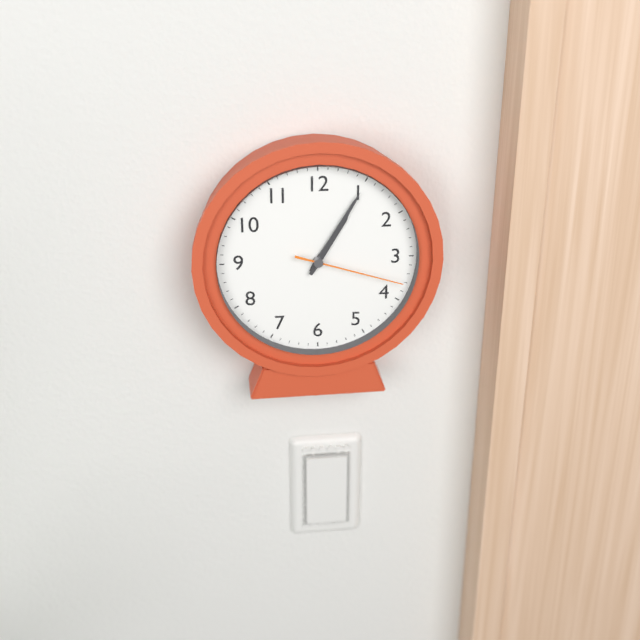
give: {"hour": 1, "minute": 5, "second": 18}
